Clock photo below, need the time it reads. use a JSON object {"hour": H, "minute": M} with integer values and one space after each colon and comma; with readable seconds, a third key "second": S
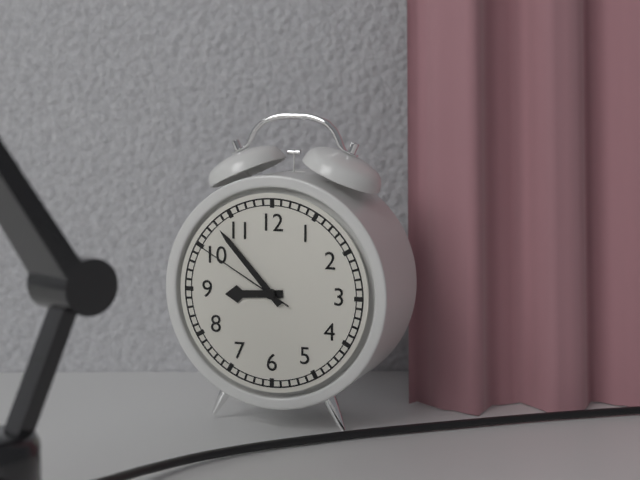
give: {"hour": 8, "minute": 53, "second": 50}
